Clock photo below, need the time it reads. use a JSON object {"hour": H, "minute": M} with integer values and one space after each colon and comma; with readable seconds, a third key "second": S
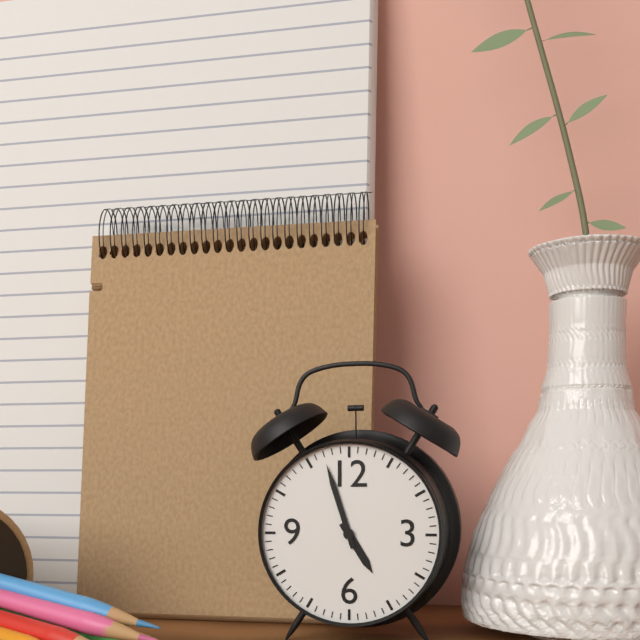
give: {"hour": 4, "minute": 57}
